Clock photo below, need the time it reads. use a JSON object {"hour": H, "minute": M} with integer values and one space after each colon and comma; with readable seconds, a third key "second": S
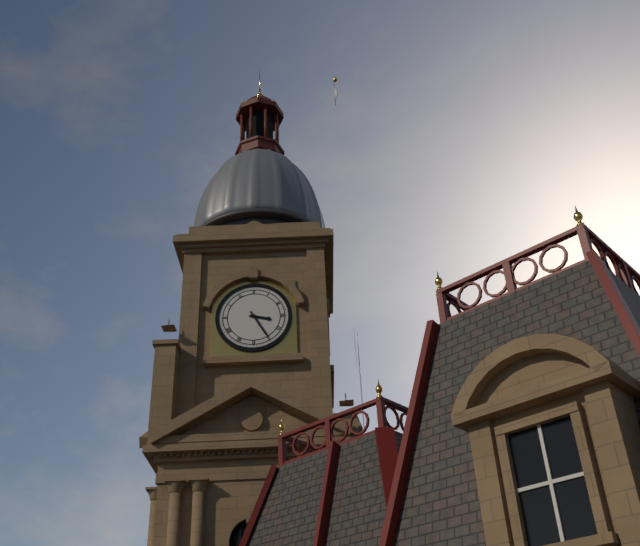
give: {"hour": 3, "minute": 25}
